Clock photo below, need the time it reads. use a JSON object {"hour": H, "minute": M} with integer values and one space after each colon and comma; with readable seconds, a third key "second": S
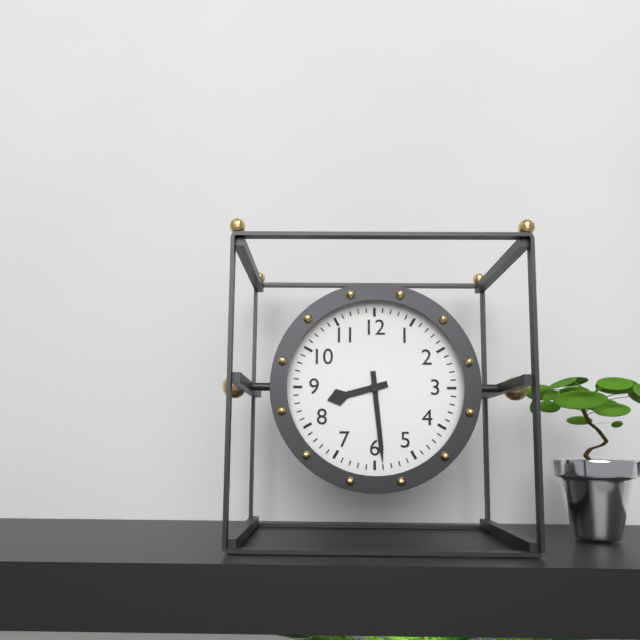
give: {"hour": 8, "minute": 29}
